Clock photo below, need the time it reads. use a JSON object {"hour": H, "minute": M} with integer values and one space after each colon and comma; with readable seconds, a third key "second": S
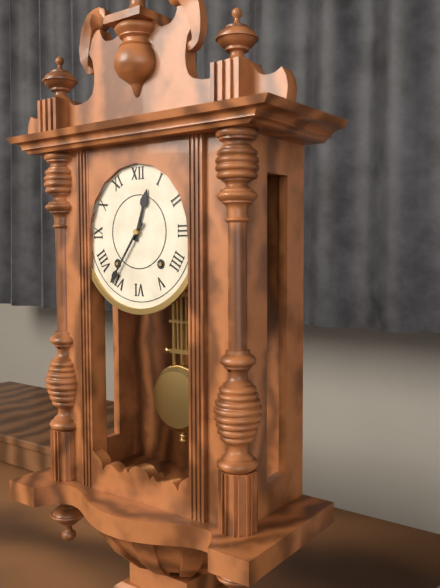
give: {"hour": 12, "minute": 36}
